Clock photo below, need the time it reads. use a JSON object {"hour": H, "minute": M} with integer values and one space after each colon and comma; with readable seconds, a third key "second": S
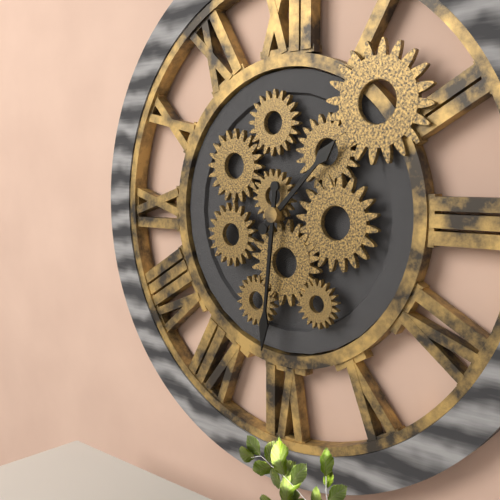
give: {"hour": 1, "minute": 31}
